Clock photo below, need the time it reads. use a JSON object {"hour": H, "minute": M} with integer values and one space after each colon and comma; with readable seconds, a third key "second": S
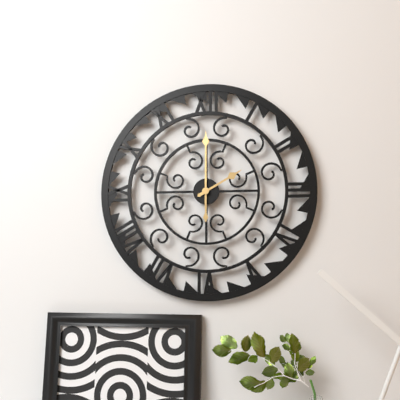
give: {"hour": 2, "minute": 0}
